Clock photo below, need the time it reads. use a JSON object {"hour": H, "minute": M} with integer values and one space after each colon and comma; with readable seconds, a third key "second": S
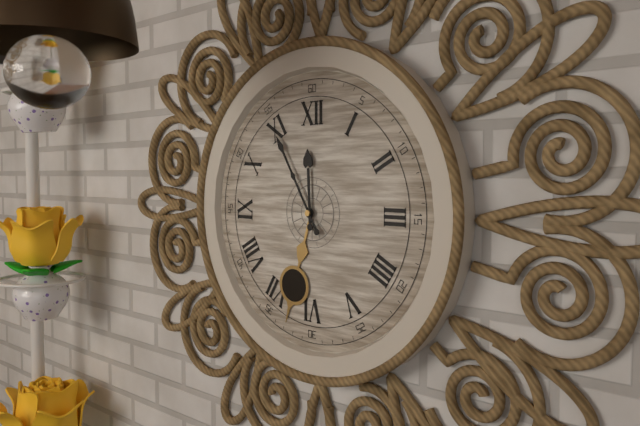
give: {"hour": 11, "minute": 55}
